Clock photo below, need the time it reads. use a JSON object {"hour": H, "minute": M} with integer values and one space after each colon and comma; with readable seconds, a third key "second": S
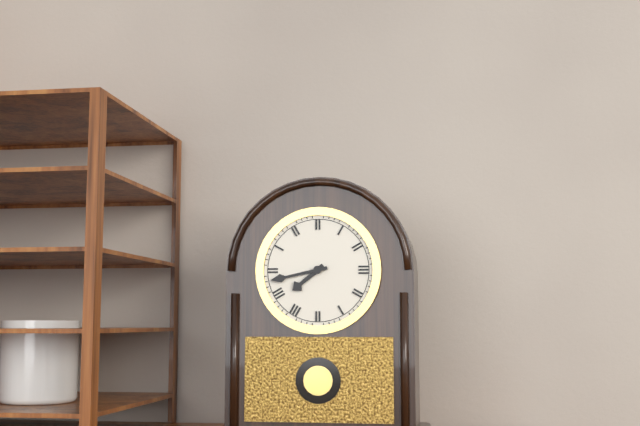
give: {"hour": 7, "minute": 43}
